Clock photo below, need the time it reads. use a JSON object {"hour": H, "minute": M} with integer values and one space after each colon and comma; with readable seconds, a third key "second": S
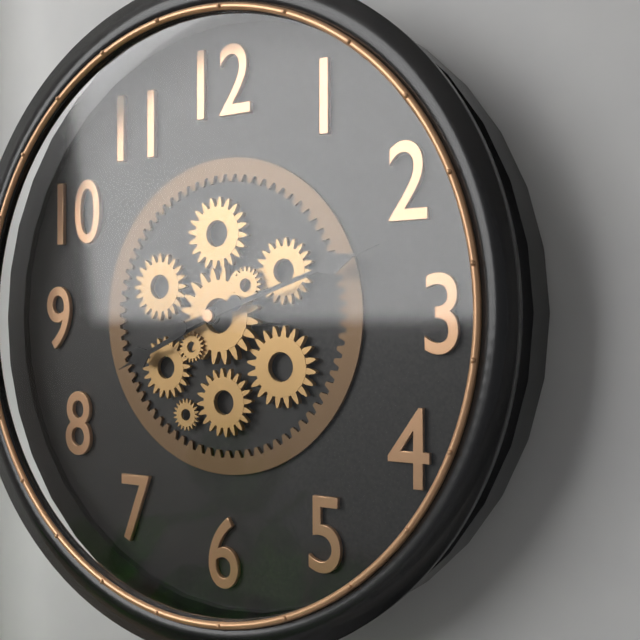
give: {"hour": 8, "minute": 12}
